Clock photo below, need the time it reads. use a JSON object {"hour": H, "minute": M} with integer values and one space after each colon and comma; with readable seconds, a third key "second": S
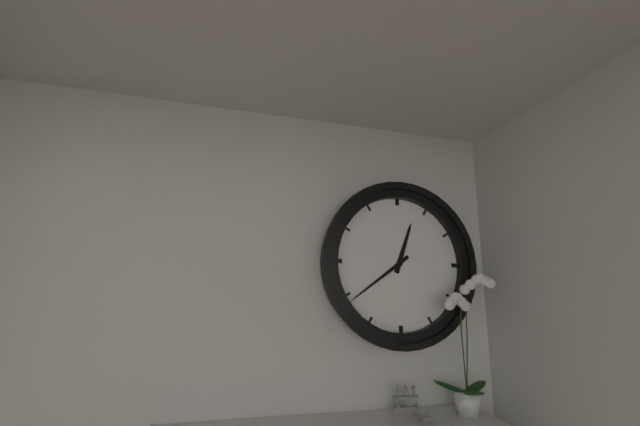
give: {"hour": 12, "minute": 39}
